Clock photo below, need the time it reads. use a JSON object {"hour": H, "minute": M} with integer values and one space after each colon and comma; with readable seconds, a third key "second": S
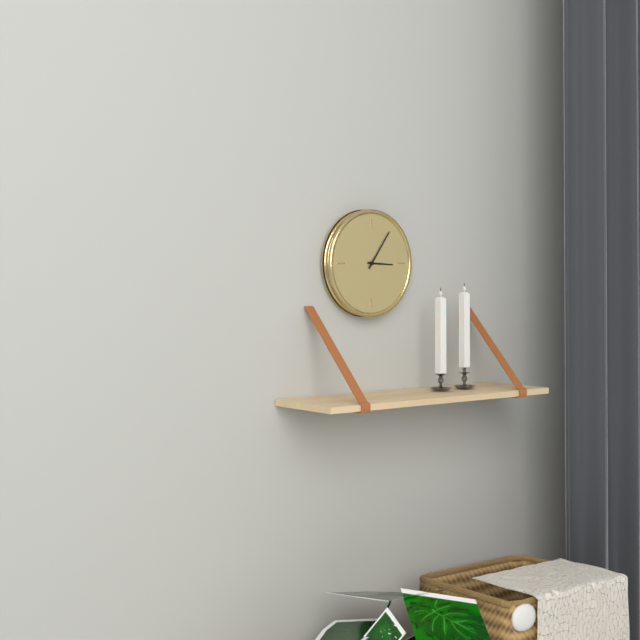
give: {"hour": 3, "minute": 6}
